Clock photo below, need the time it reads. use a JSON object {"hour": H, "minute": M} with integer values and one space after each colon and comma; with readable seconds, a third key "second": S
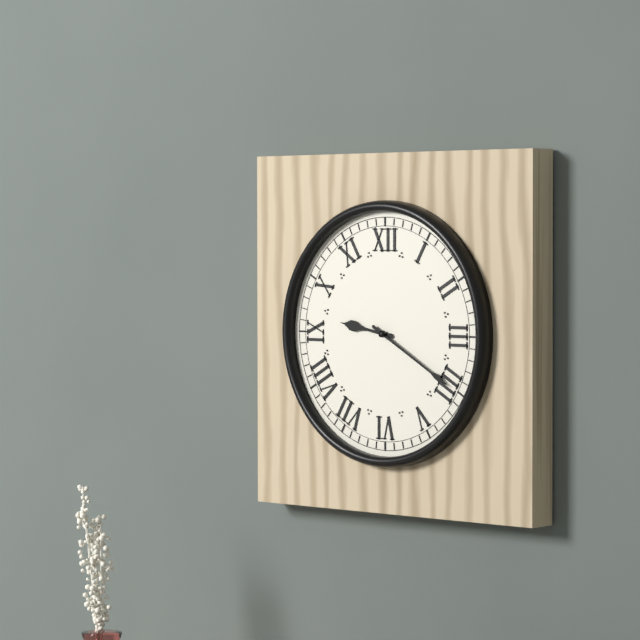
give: {"hour": 9, "minute": 20}
